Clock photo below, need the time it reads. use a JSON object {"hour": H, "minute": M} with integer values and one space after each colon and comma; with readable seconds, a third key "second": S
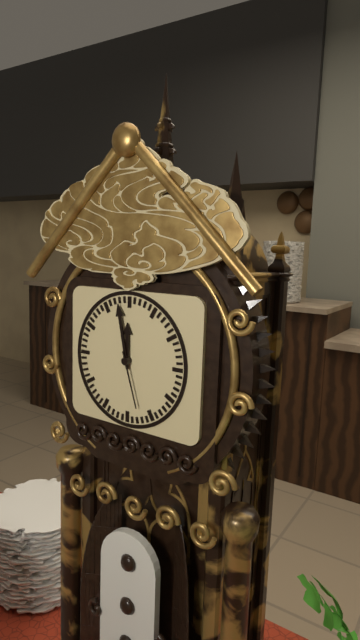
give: {"hour": 11, "minute": 58, "second": 27}
